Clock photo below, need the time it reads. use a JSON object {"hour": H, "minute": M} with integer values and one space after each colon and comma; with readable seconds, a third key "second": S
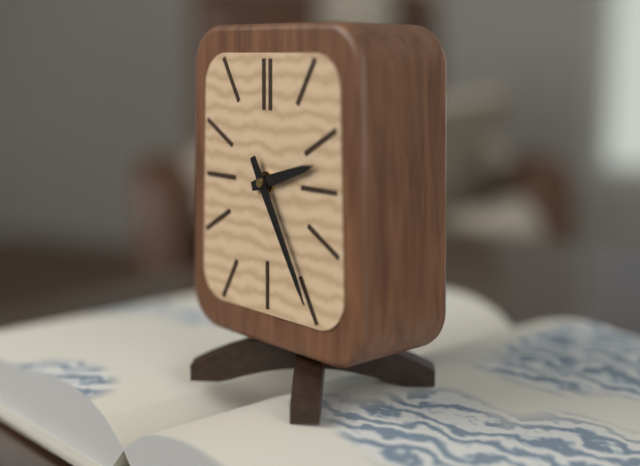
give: {"hour": 2, "minute": 25}
